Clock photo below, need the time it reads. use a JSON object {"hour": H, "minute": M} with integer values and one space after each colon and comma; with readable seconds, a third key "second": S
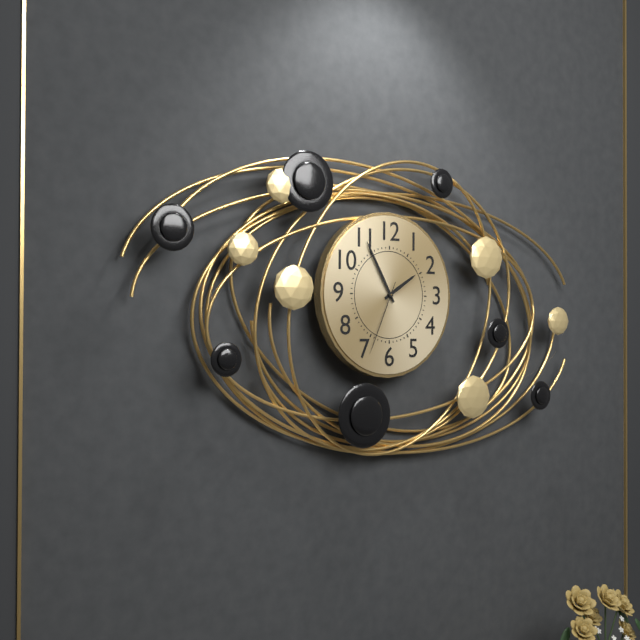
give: {"hour": 1, "minute": 55, "second": 34}
